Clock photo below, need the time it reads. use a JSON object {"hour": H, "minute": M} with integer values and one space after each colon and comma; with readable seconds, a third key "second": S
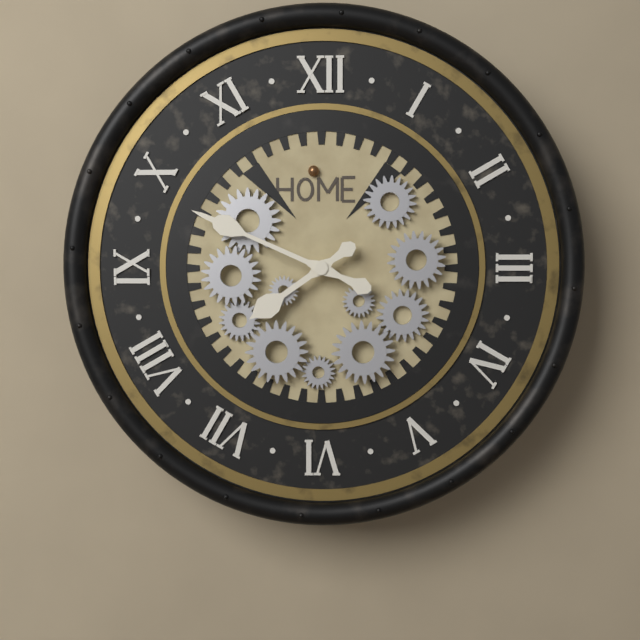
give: {"hour": 7, "minute": 49}
